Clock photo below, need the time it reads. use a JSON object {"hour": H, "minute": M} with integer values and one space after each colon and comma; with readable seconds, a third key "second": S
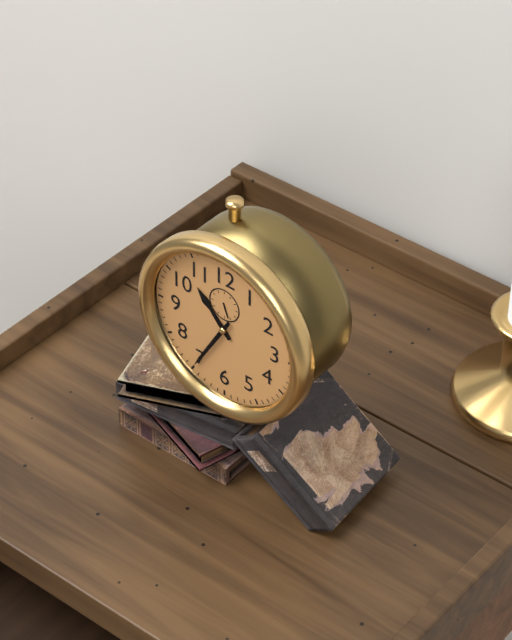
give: {"hour": 10, "minute": 35}
